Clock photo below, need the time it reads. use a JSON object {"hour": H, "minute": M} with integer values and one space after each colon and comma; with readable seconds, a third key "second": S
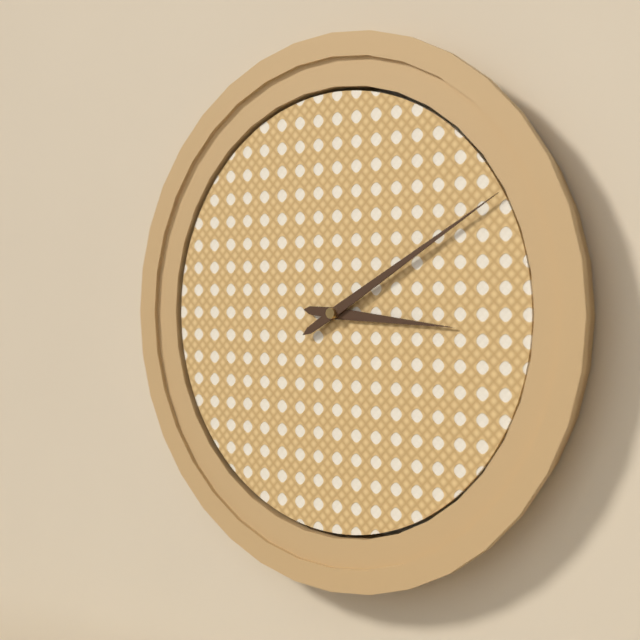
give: {"hour": 3, "minute": 10}
